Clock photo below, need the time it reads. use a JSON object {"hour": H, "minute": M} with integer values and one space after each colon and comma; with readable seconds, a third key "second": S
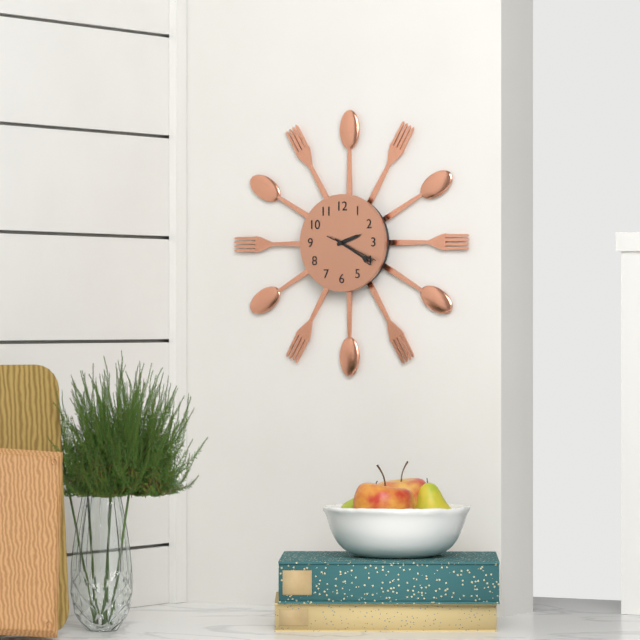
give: {"hour": 2, "minute": 20}
